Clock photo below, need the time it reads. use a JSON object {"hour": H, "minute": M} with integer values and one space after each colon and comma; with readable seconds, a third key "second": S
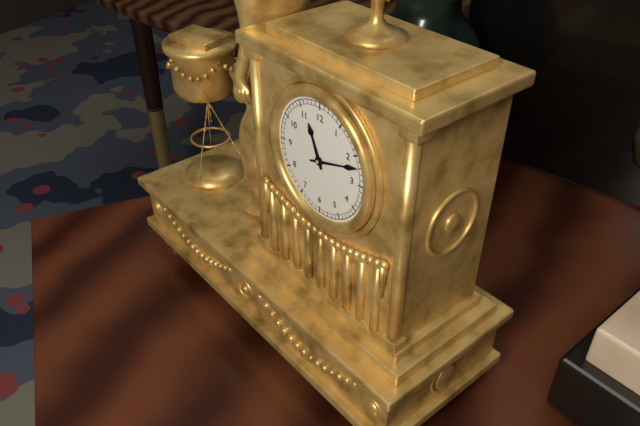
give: {"hour": 11, "minute": 12}
